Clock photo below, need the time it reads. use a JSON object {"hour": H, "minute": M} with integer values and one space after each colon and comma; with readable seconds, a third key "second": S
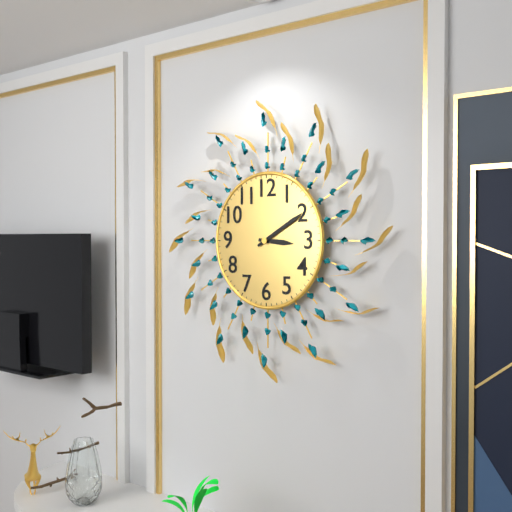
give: {"hour": 3, "minute": 10}
